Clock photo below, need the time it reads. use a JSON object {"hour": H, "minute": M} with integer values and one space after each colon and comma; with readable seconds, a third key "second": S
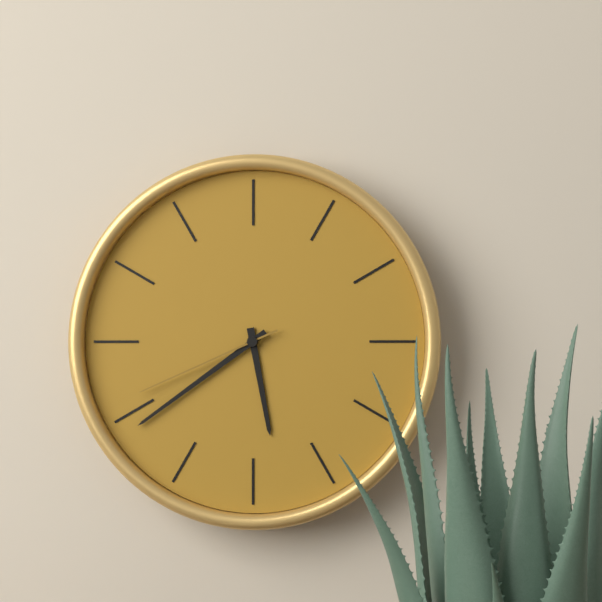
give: {"hour": 5, "minute": 39, "second": 41}
